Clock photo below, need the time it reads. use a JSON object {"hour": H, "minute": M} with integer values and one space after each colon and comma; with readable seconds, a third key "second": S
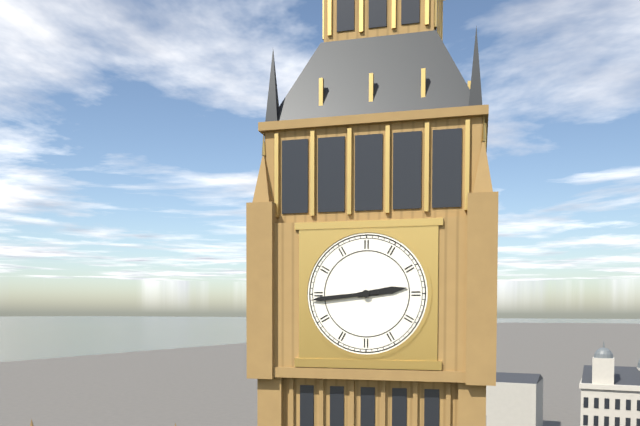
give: {"hour": 2, "minute": 44}
